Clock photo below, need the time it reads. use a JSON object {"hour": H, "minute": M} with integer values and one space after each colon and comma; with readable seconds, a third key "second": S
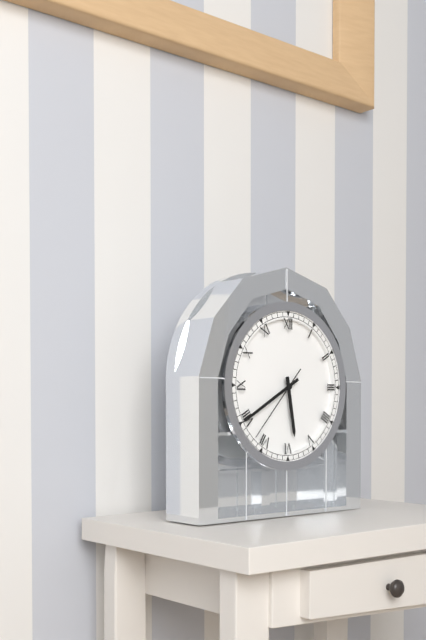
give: {"hour": 5, "minute": 40, "second": 37}
